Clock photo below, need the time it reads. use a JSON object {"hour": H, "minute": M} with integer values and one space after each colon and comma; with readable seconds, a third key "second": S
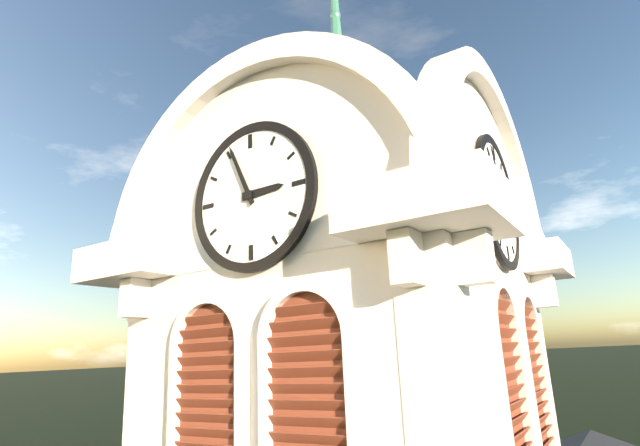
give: {"hour": 2, "minute": 56}
